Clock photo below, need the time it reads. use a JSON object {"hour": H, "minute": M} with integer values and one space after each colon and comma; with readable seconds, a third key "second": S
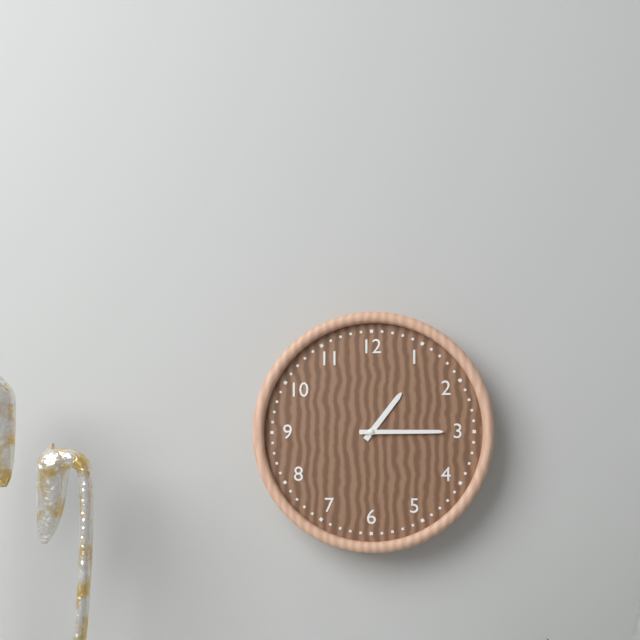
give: {"hour": 1, "minute": 15}
